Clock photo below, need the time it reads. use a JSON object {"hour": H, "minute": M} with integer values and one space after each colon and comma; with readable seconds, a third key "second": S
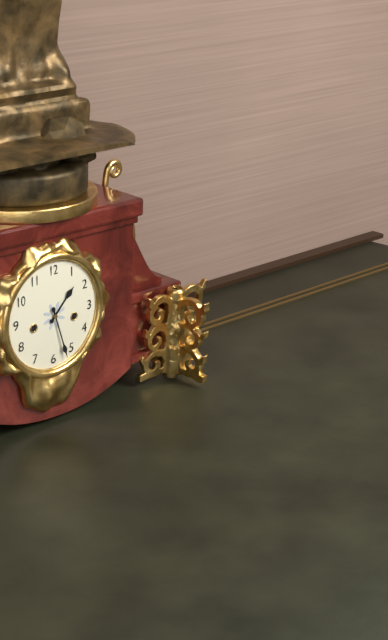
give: {"hour": 1, "minute": 27}
